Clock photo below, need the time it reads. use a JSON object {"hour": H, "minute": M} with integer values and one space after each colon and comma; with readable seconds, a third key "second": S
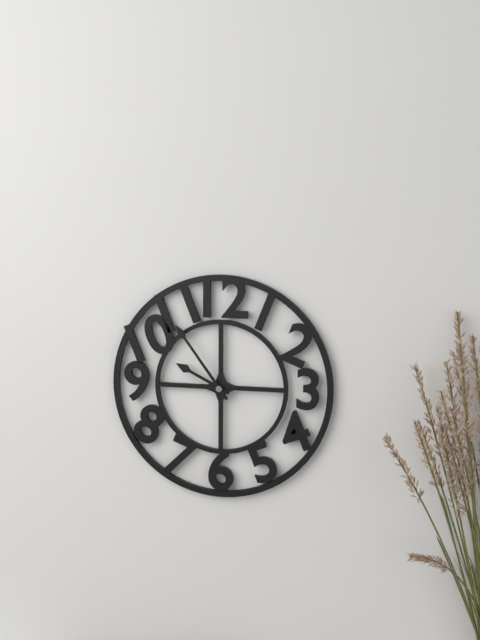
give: {"hour": 9, "minute": 54}
